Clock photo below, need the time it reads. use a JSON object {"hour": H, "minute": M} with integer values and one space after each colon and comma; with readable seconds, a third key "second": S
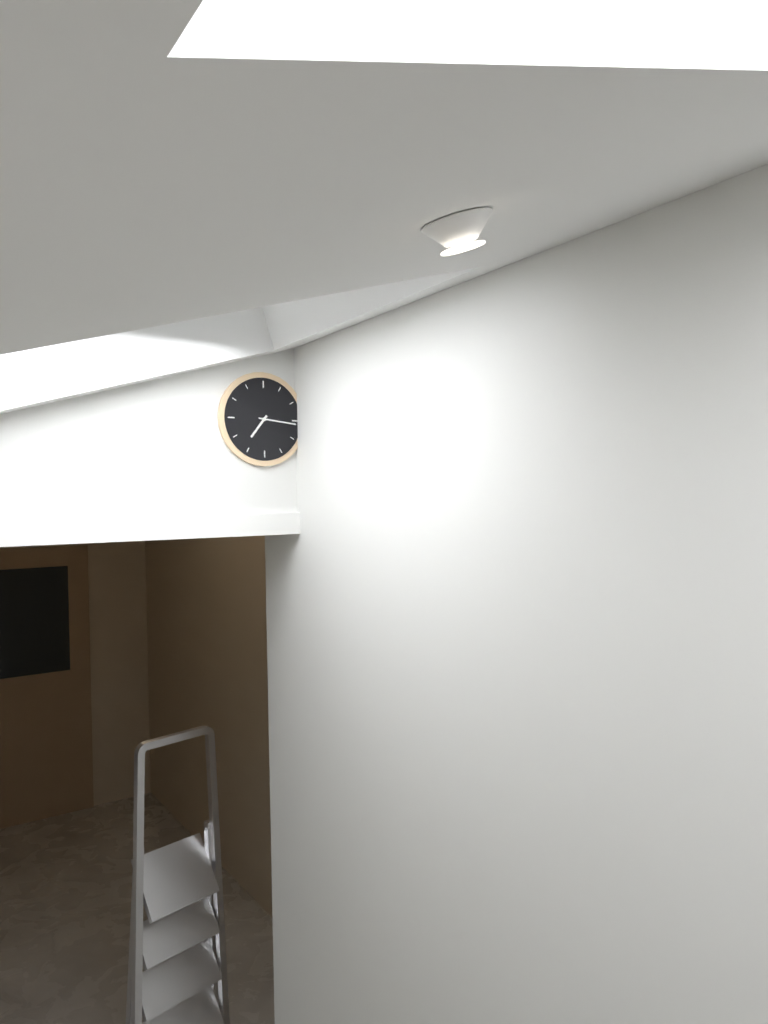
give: {"hour": 7, "minute": 16}
